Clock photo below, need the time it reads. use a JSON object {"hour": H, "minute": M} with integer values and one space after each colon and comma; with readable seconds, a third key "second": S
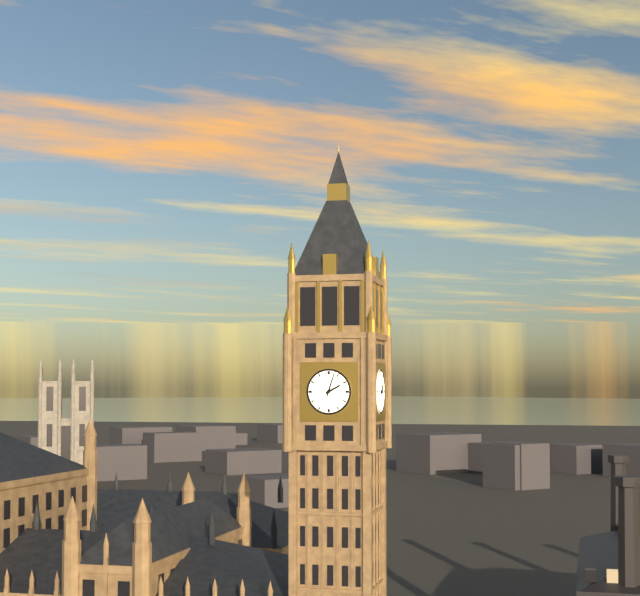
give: {"hour": 2, "minute": 3}
